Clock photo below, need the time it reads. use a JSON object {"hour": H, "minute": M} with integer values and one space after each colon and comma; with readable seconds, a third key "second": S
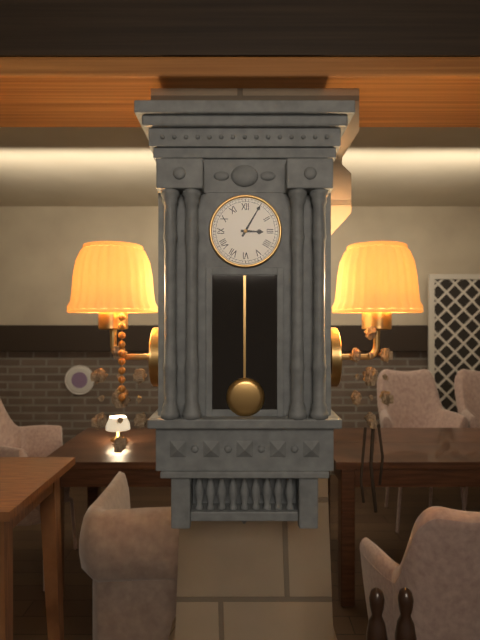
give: {"hour": 3, "minute": 5}
